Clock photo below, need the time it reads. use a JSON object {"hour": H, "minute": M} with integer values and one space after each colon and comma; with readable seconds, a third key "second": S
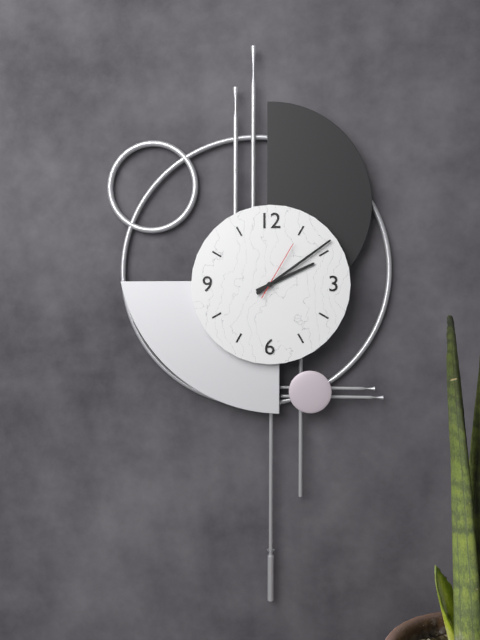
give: {"hour": 2, "minute": 9, "second": 5}
